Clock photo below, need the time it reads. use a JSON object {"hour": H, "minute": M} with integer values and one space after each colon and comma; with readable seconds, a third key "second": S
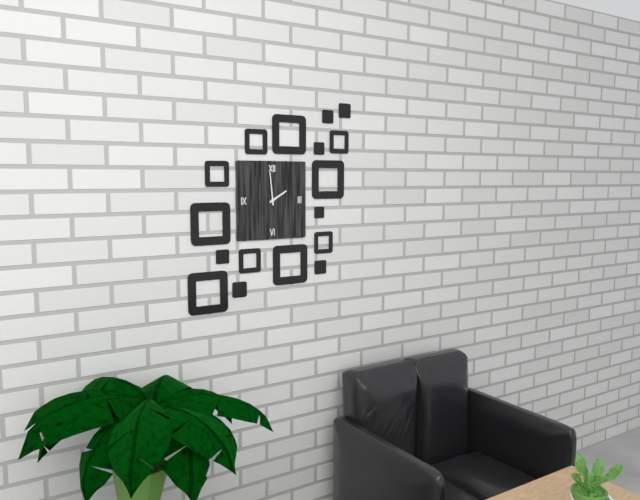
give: {"hour": 1, "minute": 59}
